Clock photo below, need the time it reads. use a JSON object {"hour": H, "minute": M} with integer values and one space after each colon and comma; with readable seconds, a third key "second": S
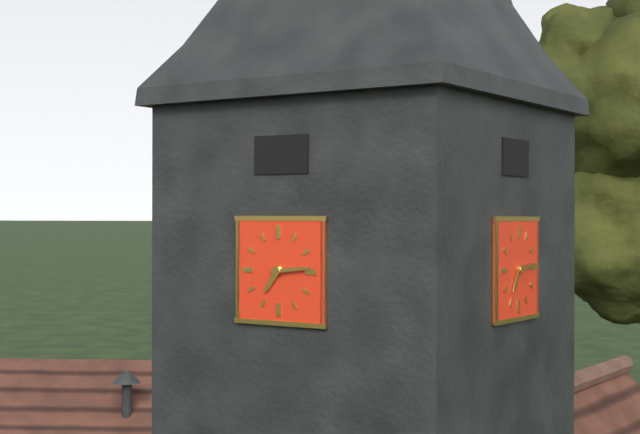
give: {"hour": 7, "minute": 14}
